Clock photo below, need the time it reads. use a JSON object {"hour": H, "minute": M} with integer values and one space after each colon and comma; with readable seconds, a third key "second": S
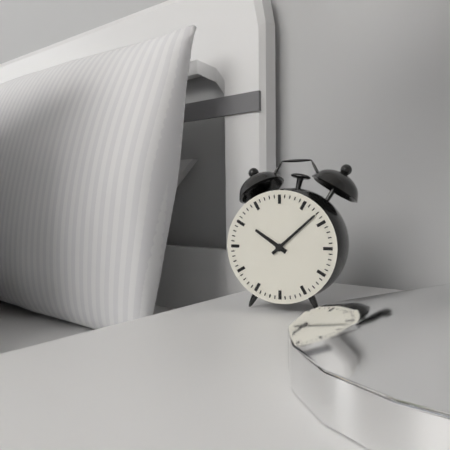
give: {"hour": 10, "minute": 8}
